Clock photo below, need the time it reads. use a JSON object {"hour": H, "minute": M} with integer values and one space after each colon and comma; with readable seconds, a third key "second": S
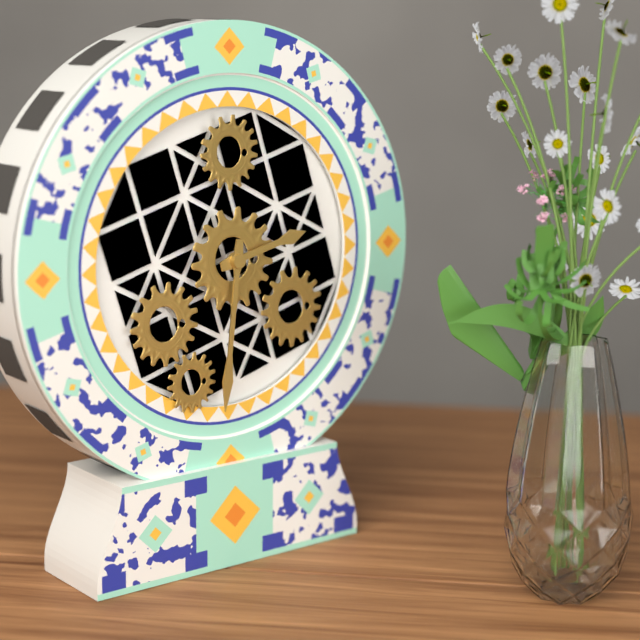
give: {"hour": 2, "minute": 31}
